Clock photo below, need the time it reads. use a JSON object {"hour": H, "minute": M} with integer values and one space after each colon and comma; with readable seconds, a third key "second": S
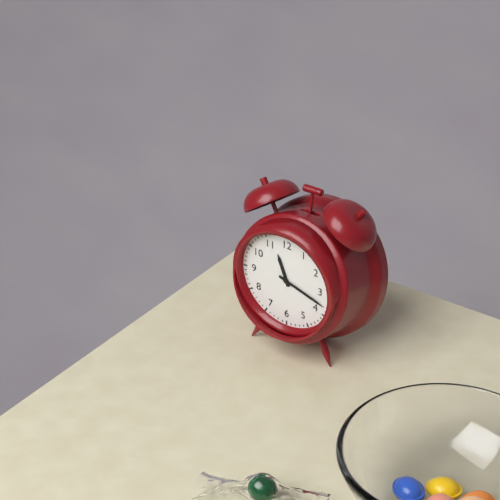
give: {"hour": 11, "minute": 18}
